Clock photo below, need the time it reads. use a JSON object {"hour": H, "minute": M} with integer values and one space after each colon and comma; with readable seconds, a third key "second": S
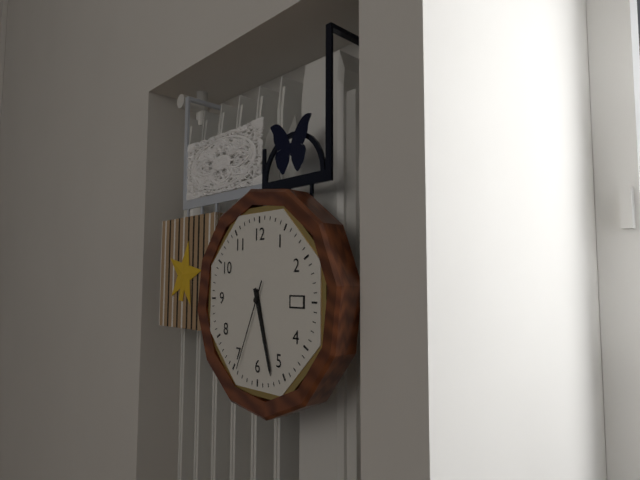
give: {"hour": 5, "minute": 27, "second": 34}
